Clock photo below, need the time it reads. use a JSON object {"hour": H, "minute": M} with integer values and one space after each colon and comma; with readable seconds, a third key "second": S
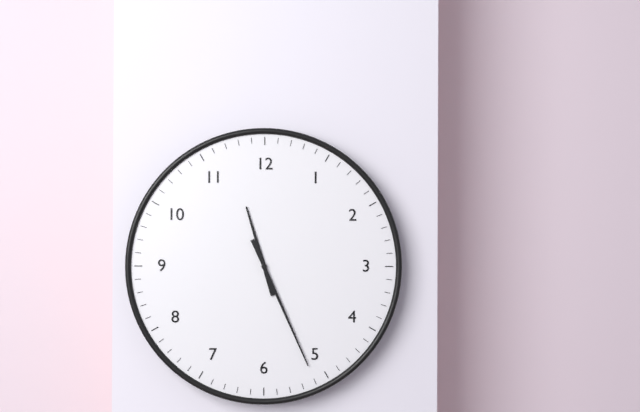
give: {"hour": 11, "minute": 26}
